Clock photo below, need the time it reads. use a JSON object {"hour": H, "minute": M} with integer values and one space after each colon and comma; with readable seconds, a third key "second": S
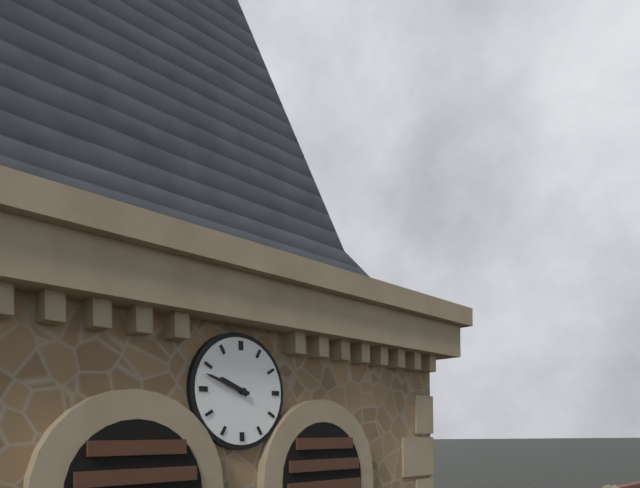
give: {"hour": 9, "minute": 48}
